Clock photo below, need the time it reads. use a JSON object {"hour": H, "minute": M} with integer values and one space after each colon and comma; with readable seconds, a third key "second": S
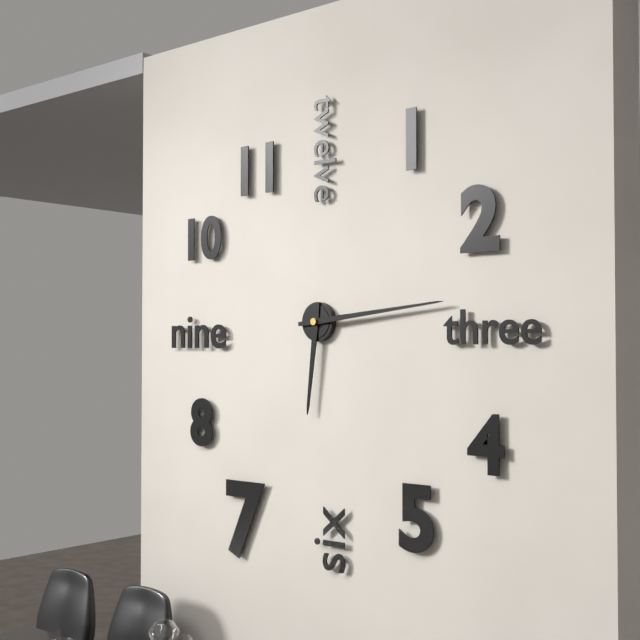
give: {"hour": 6, "minute": 14}
